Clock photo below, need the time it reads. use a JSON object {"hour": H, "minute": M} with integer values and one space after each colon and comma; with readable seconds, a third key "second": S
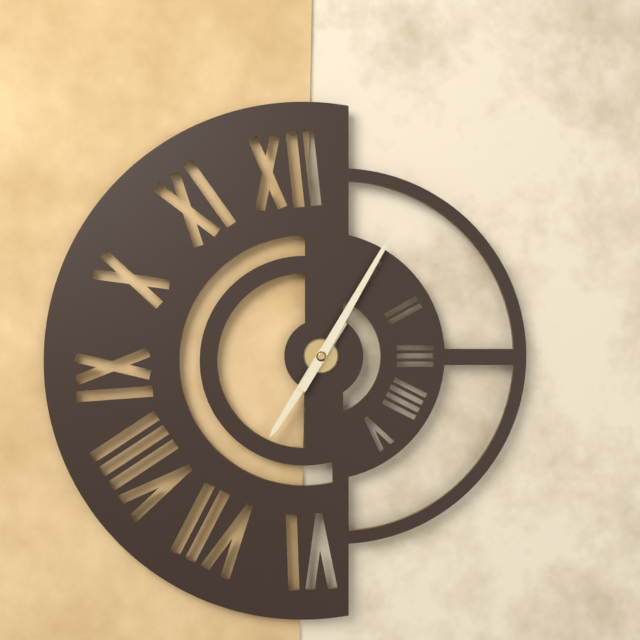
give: {"hour": 7, "minute": 5}
